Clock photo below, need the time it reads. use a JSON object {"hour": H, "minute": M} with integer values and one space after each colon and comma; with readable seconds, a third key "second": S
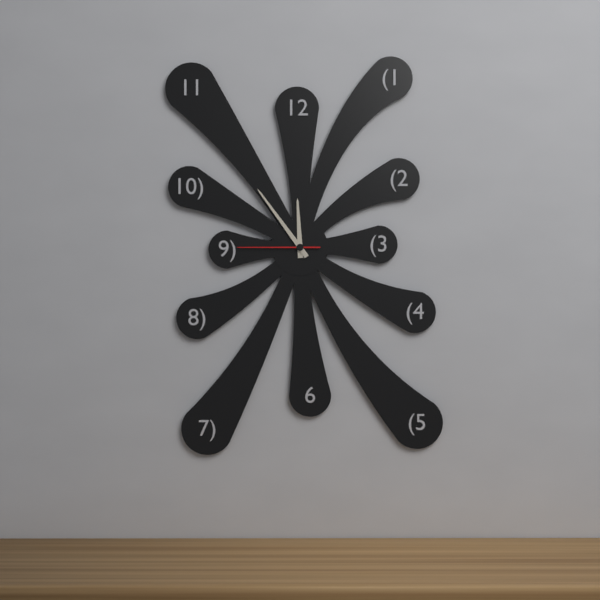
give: {"hour": 11, "minute": 54, "second": 45}
